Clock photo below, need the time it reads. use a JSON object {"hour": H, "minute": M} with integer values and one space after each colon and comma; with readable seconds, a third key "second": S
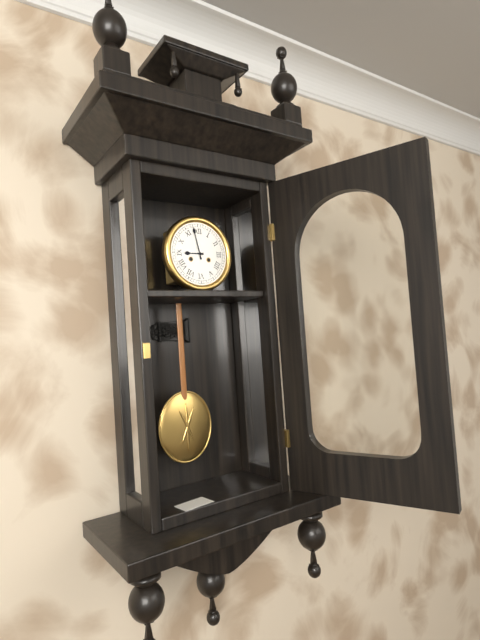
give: {"hour": 8, "minute": 58}
